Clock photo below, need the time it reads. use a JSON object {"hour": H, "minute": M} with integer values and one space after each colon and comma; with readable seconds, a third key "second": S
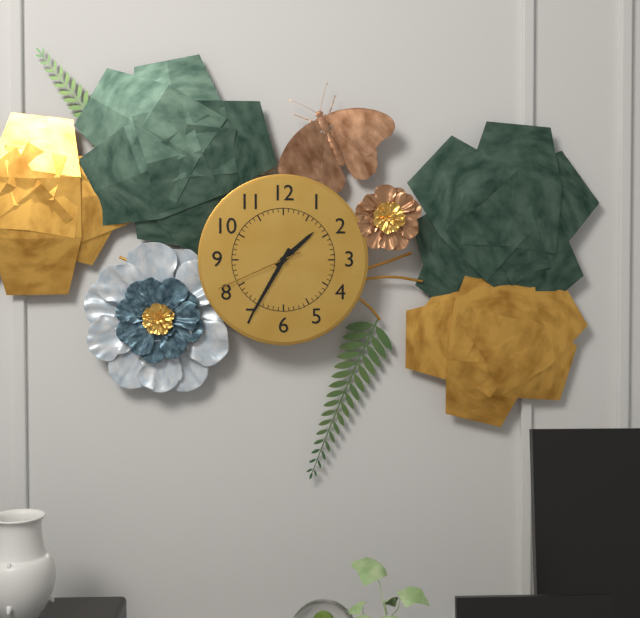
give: {"hour": 1, "minute": 35, "second": 41}
